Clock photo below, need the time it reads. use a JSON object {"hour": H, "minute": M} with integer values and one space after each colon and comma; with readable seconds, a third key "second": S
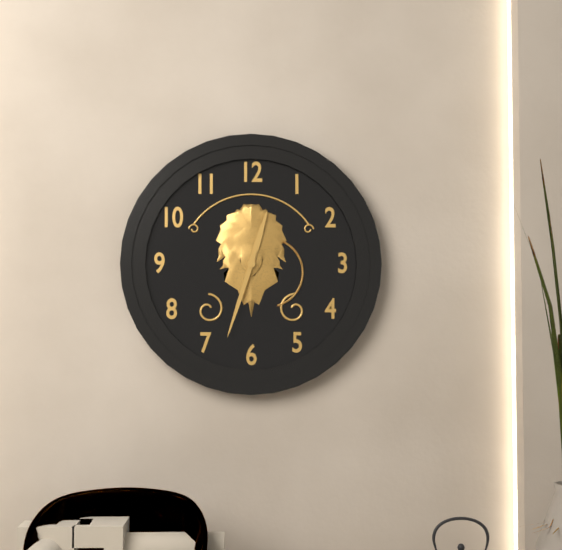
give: {"hour": 12, "minute": 33}
